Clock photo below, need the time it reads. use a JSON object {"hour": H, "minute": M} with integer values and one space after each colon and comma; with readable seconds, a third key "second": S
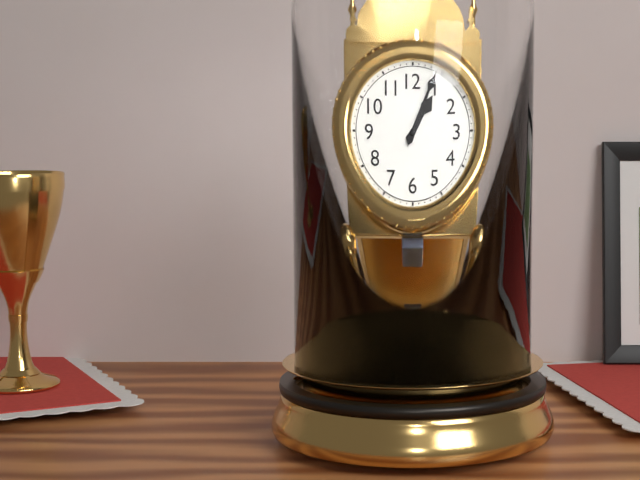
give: {"hour": 1, "minute": 4}
